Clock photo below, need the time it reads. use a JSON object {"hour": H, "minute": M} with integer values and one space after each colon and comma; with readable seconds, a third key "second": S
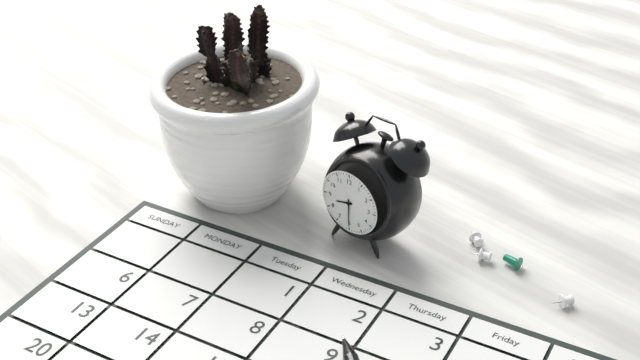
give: {"hour": 8, "minute": 30}
